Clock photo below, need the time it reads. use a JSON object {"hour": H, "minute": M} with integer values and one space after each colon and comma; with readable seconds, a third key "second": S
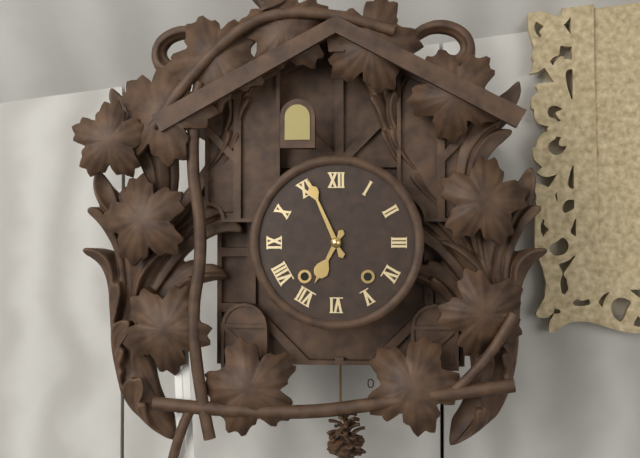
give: {"hour": 6, "minute": 56}
